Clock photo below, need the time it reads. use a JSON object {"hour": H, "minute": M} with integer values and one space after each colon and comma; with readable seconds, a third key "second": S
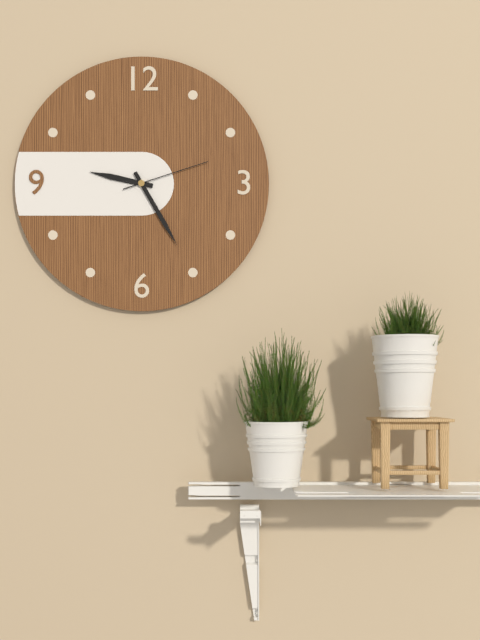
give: {"hour": 9, "minute": 25, "second": 12}
